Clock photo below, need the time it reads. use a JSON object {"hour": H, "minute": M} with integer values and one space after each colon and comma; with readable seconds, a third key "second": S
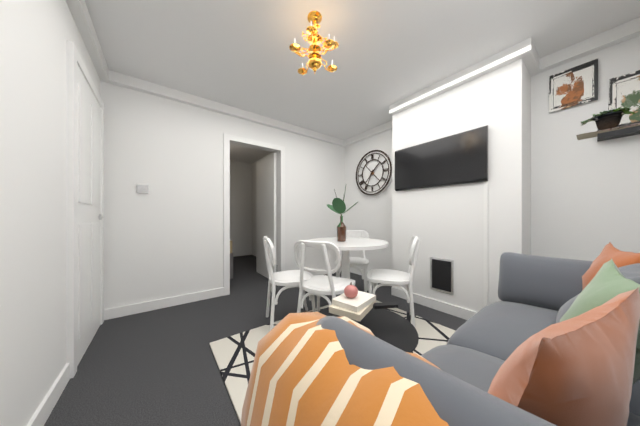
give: {"hour": 1, "minute": 34}
